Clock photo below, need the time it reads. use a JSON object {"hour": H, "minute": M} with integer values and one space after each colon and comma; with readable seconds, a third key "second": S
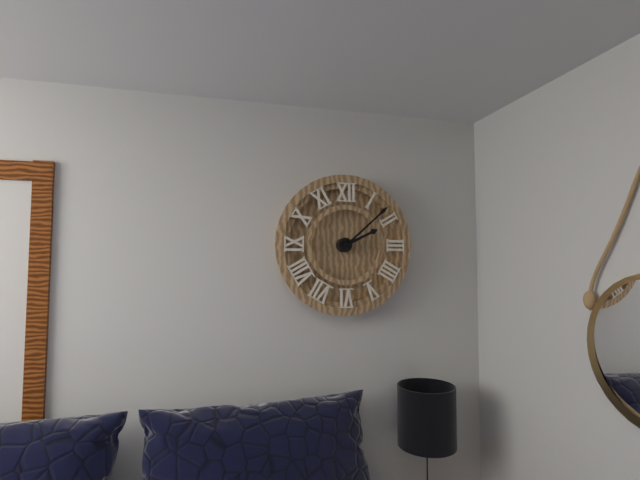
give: {"hour": 2, "minute": 8}
